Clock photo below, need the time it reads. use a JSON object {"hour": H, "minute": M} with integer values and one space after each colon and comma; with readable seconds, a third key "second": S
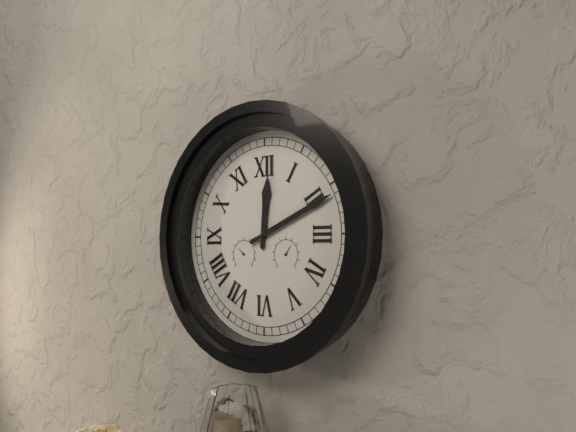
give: {"hour": 12, "minute": 11}
